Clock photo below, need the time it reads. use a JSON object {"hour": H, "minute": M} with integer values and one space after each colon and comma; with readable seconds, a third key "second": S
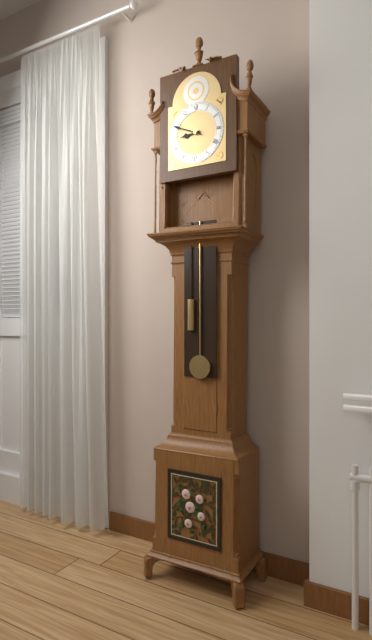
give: {"hour": 8, "minute": 49}
